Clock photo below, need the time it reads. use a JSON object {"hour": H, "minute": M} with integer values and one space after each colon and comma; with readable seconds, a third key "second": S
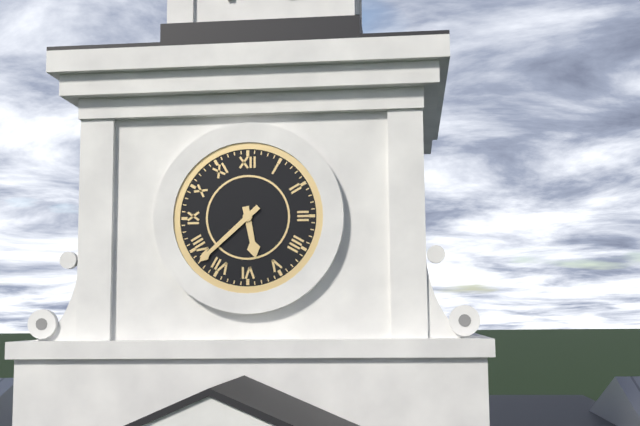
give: {"hour": 5, "minute": 38}
